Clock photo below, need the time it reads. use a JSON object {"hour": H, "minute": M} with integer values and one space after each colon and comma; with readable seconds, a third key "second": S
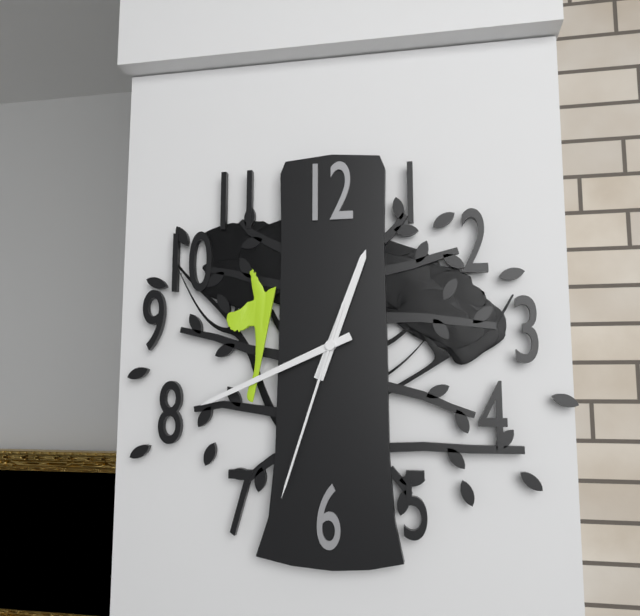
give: {"hour": 12, "minute": 41, "second": 33}
